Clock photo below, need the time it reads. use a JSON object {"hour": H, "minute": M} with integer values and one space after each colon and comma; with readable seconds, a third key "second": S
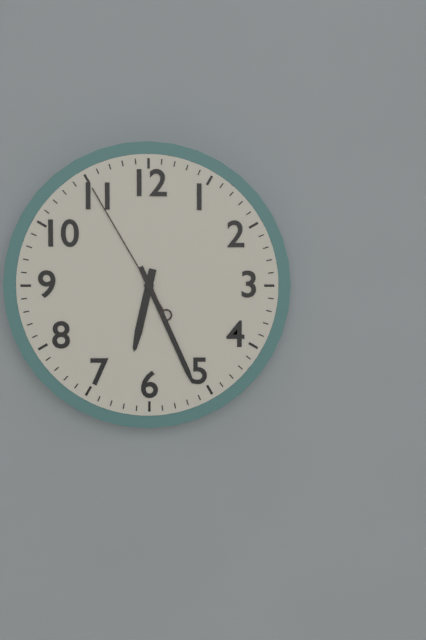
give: {"hour": 6, "minute": 26, "second": 55}
